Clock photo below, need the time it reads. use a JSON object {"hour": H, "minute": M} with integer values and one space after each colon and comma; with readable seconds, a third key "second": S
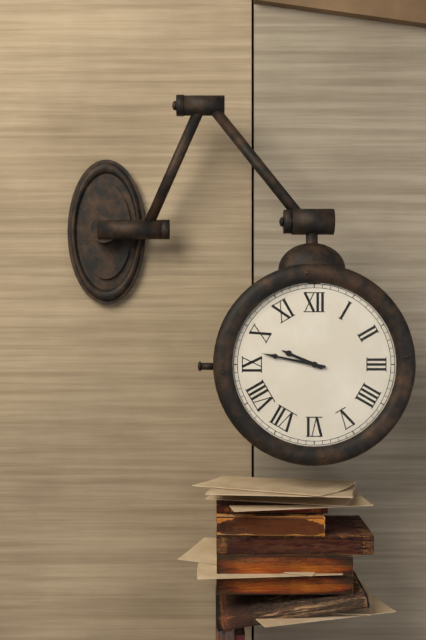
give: {"hour": 9, "minute": 47}
